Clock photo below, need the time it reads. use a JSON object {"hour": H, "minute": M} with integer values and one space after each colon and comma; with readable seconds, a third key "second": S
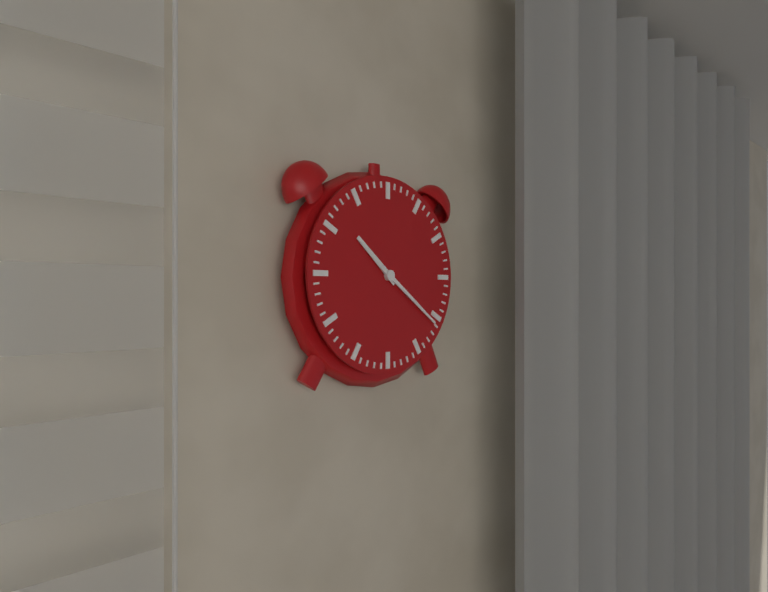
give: {"hour": 10, "minute": 21}
